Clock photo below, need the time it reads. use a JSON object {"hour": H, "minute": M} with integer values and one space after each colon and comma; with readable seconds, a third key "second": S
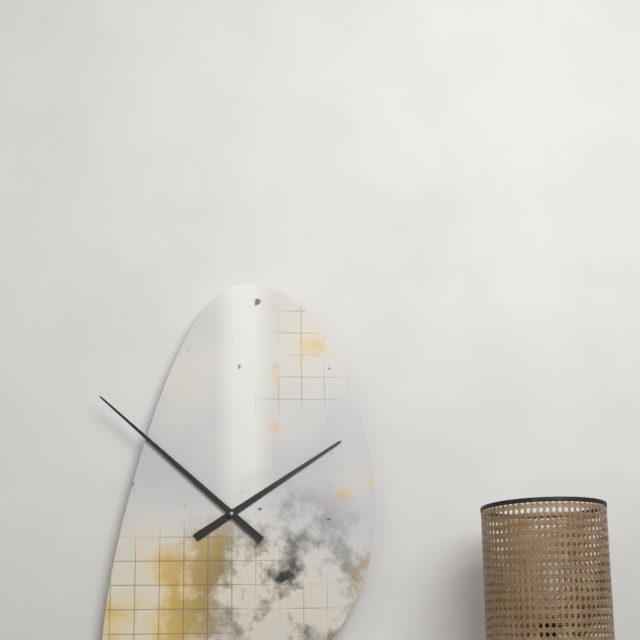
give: {"hour": 1, "minute": 52}
